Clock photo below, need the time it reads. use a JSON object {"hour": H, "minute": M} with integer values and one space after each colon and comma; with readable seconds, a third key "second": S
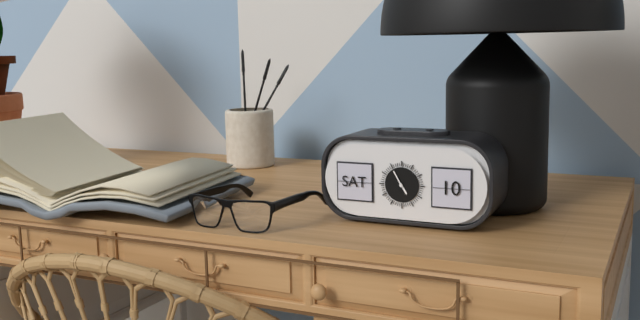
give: {"hour": 4, "minute": 55}
